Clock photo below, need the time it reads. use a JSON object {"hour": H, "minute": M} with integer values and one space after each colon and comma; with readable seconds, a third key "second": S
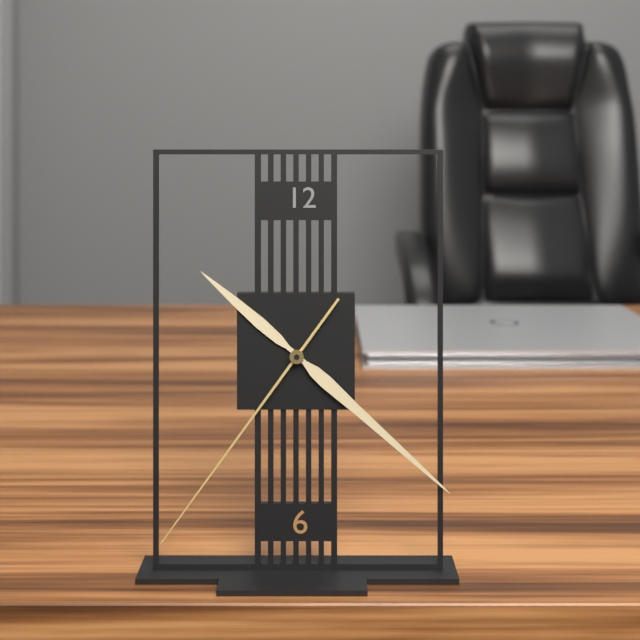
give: {"hour": 10, "minute": 22, "second": 36}
